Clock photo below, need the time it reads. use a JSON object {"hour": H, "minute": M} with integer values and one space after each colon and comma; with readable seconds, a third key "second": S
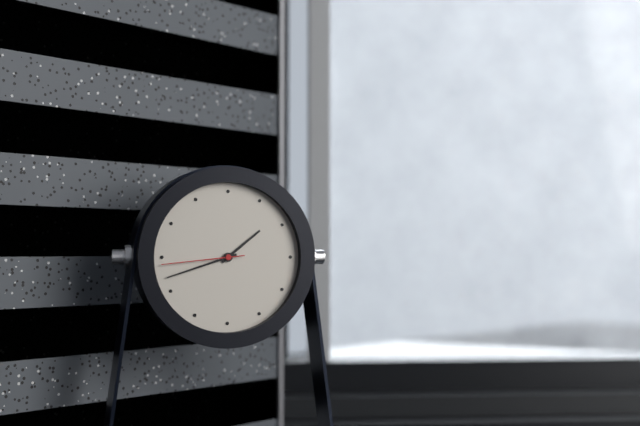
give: {"hour": 1, "minute": 42, "second": 44}
